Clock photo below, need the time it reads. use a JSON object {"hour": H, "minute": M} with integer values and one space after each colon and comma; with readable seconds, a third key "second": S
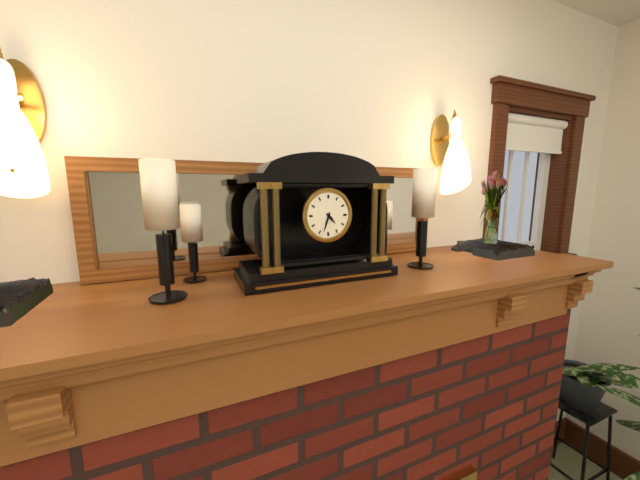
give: {"hour": 4, "minute": 33}
